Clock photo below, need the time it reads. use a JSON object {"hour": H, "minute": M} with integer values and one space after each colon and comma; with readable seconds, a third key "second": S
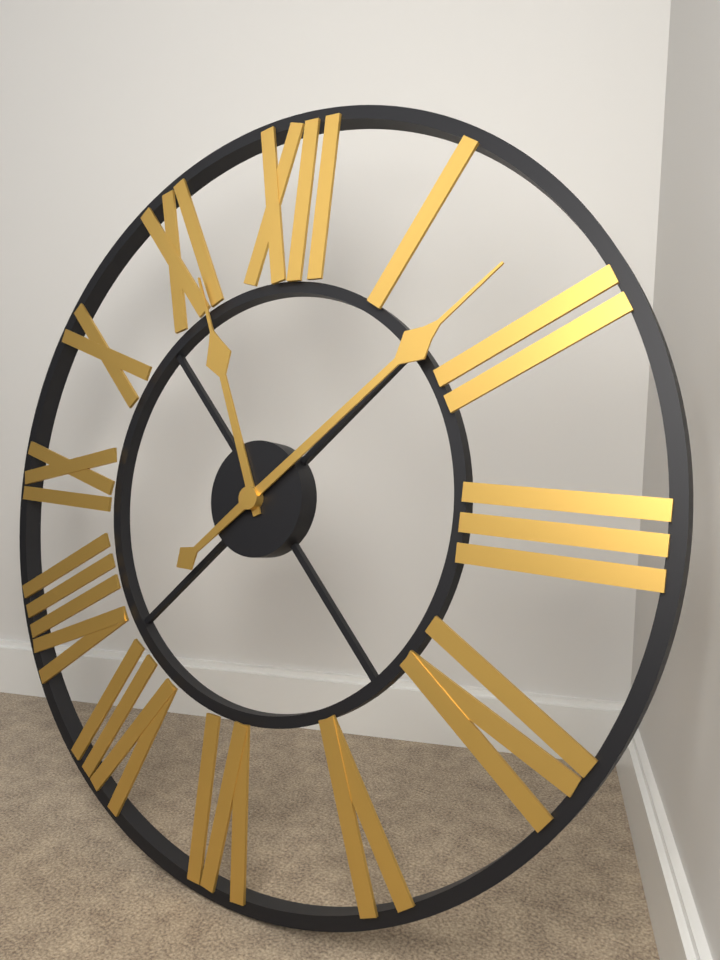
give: {"hour": 11, "minute": 8}
